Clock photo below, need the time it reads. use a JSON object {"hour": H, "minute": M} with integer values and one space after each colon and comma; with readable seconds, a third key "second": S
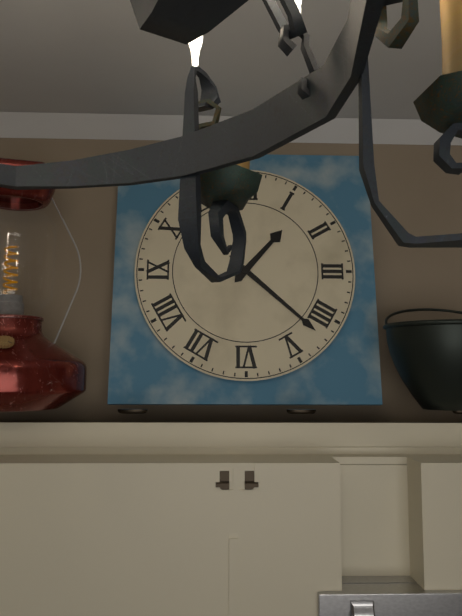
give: {"hour": 1, "minute": 22}
